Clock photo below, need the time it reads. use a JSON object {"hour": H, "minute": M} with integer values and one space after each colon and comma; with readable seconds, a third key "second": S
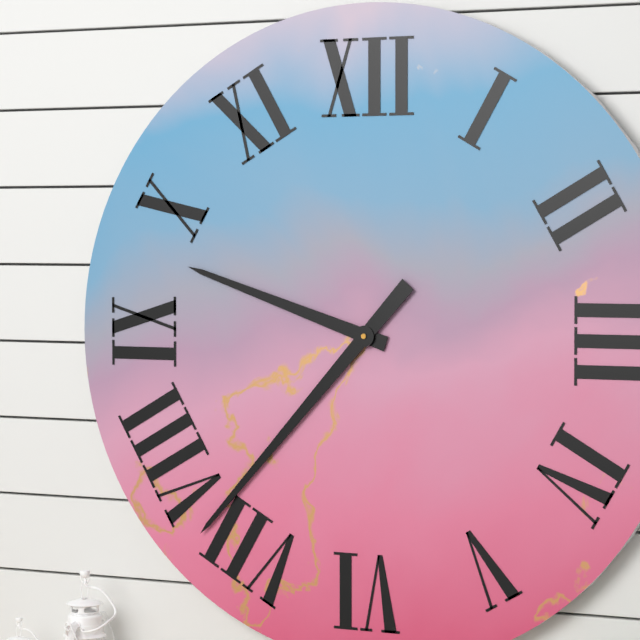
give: {"hour": 9, "minute": 37}
